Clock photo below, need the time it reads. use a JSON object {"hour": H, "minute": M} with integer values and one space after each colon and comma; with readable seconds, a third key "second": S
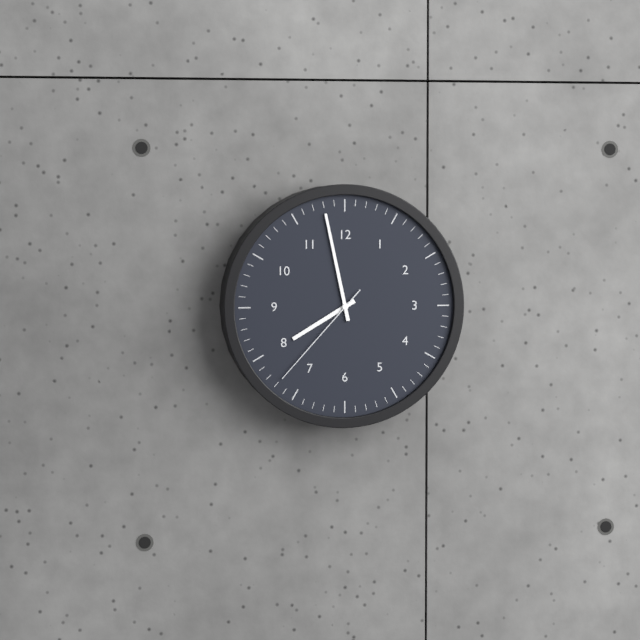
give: {"hour": 7, "minute": 58, "second": 37}
